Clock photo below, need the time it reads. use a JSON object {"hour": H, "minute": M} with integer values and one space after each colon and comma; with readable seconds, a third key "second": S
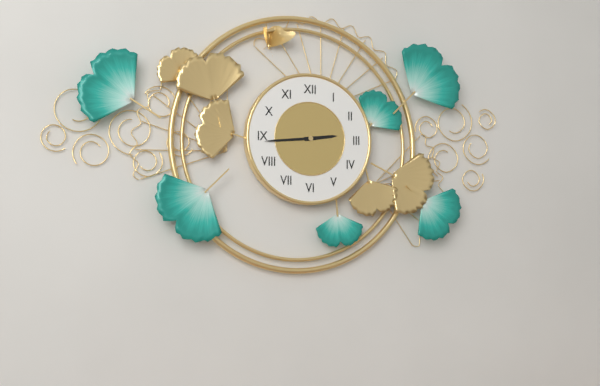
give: {"hour": 2, "minute": 44}
